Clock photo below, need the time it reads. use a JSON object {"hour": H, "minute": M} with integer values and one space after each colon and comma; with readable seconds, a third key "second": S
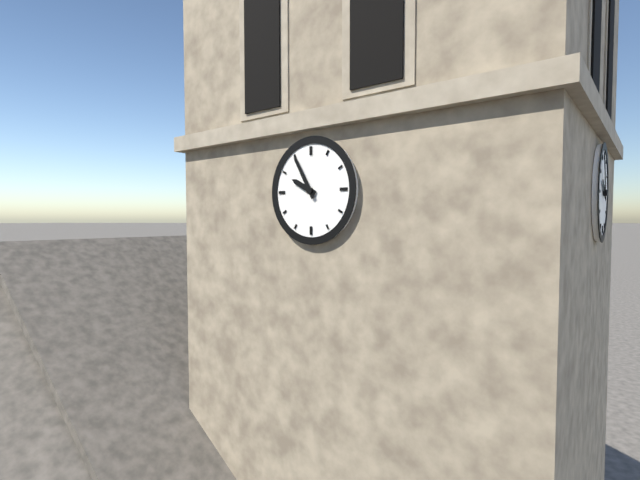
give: {"hour": 9, "minute": 55}
